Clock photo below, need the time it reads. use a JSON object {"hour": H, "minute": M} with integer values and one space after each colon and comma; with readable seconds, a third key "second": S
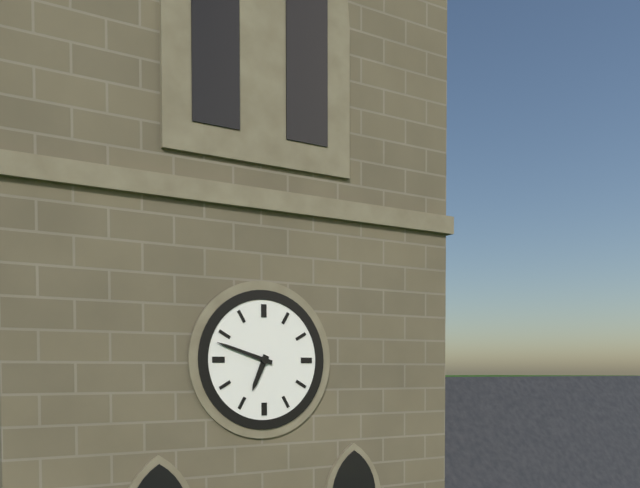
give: {"hour": 6, "minute": 48}
